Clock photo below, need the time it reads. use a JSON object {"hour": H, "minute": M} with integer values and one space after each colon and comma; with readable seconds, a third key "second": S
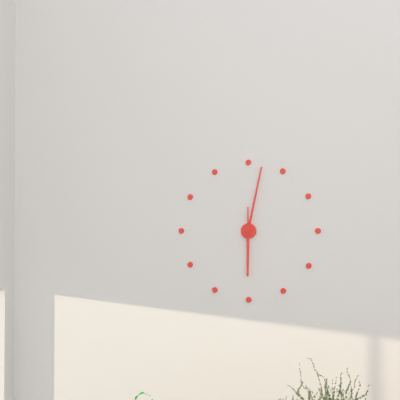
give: {"hour": 6, "minute": 2}
